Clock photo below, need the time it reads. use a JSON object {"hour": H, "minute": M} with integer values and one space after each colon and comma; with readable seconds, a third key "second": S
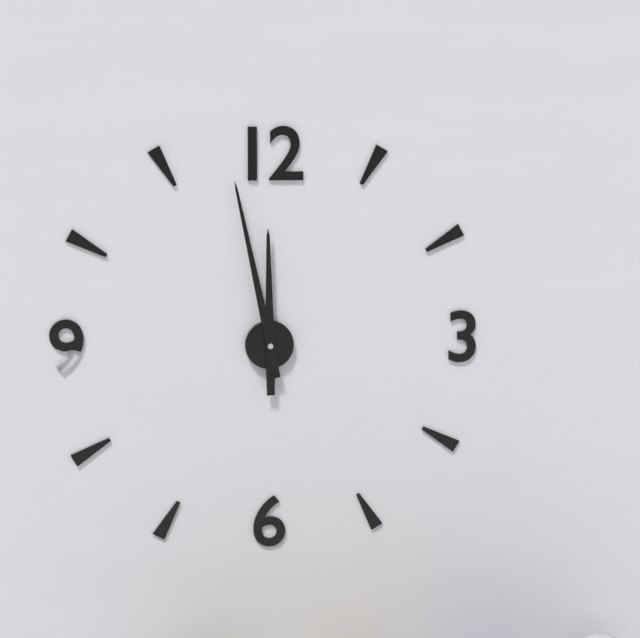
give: {"hour": 11, "minute": 58}
